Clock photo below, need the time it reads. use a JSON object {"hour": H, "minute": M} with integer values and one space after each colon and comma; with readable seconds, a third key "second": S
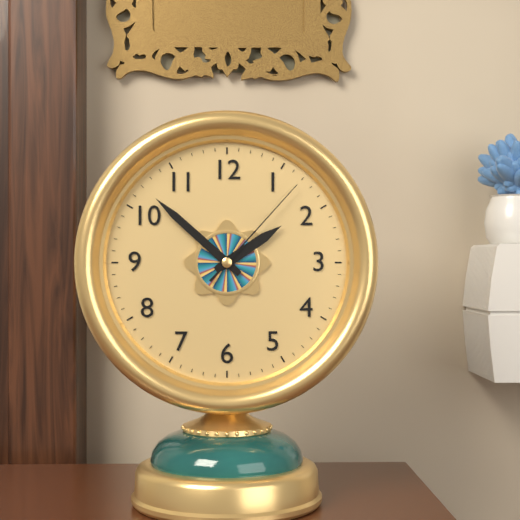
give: {"hour": 1, "minute": 52, "second": 7}
